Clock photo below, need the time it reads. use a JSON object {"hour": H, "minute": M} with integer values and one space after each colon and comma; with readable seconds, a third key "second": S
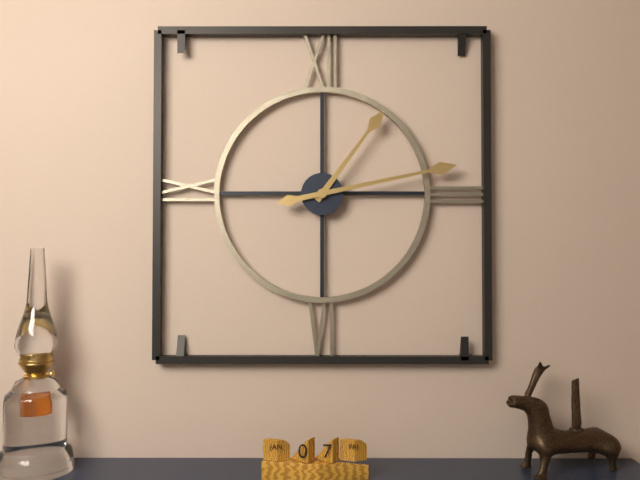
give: {"hour": 1, "minute": 13}
